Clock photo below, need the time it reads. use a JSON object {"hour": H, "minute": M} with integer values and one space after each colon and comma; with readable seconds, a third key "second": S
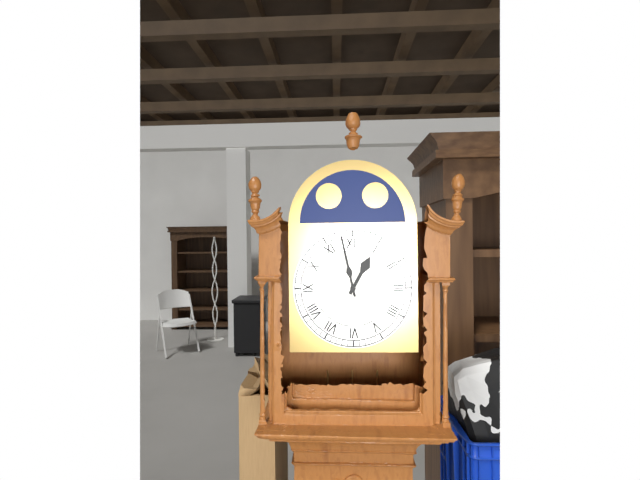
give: {"hour": 12, "minute": 58}
